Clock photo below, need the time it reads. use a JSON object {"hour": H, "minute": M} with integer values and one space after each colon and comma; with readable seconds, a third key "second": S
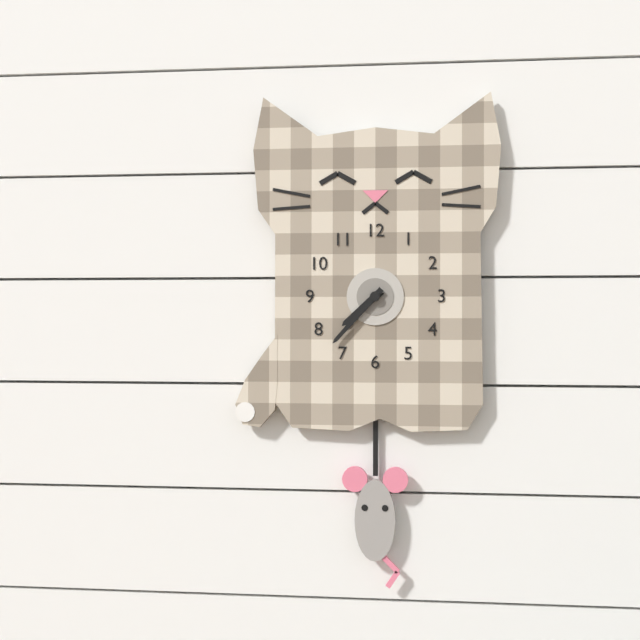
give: {"hour": 7, "minute": 37}
